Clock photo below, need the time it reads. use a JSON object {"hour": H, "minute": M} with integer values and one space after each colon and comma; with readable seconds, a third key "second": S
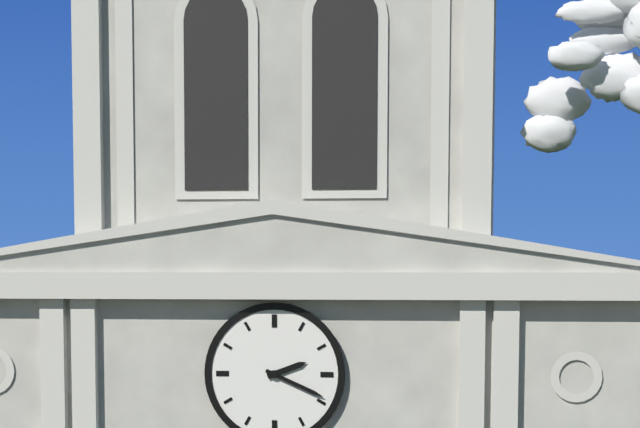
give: {"hour": 2, "minute": 19}
